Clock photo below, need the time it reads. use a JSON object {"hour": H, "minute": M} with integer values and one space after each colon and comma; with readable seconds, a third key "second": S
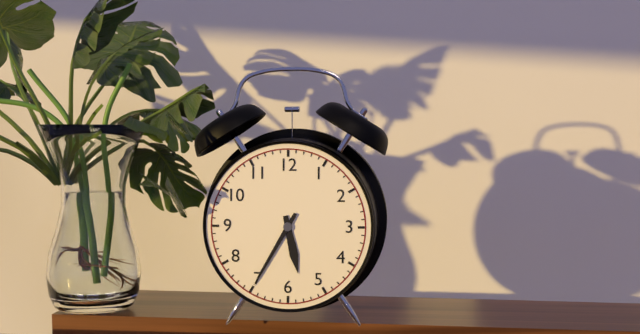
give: {"hour": 5, "minute": 35}
